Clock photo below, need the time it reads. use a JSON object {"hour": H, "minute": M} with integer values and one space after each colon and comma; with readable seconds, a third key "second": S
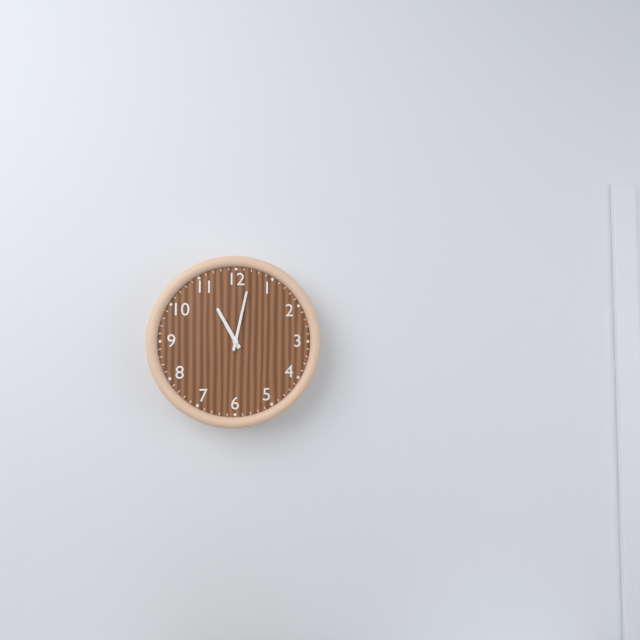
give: {"hour": 11, "minute": 2}
